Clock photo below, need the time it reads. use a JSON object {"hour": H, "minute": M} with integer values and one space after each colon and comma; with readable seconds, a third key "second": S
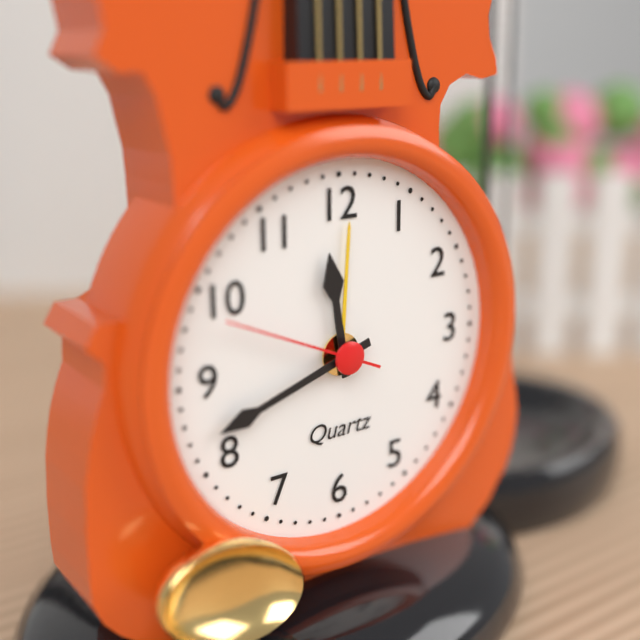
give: {"hour": 11, "minute": 42, "second": 49}
